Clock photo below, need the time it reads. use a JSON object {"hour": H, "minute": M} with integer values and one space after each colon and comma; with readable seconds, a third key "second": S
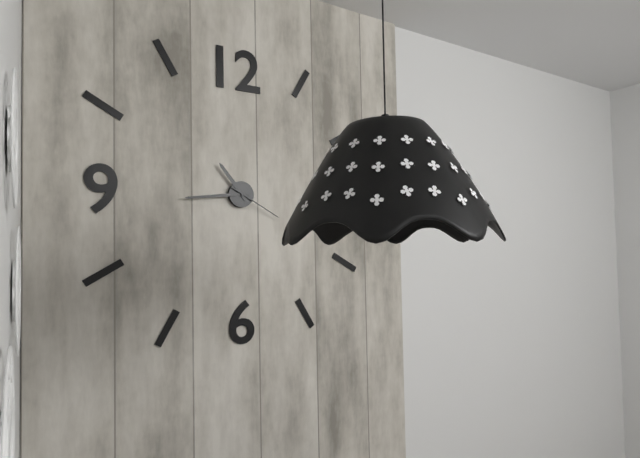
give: {"hour": 10, "minute": 44, "second": 20}
